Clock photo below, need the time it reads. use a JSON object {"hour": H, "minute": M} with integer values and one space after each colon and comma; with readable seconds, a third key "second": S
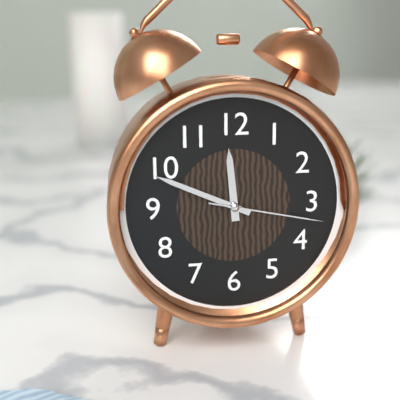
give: {"hour": 11, "minute": 49, "second": 17}
